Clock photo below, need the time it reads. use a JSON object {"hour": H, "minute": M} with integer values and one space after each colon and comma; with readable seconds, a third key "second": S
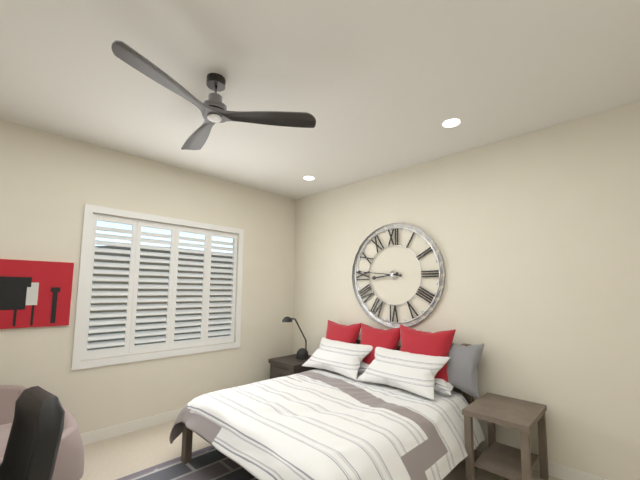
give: {"hour": 8, "minute": 46}
